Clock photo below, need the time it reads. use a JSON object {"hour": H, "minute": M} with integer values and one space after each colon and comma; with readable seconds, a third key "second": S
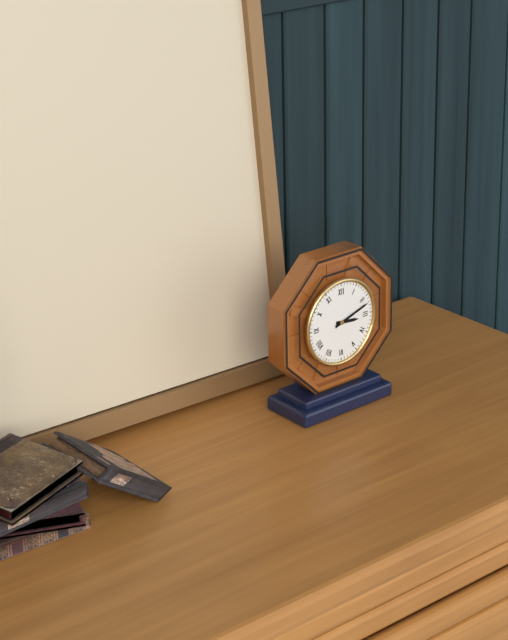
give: {"hour": 3, "minute": 12}
